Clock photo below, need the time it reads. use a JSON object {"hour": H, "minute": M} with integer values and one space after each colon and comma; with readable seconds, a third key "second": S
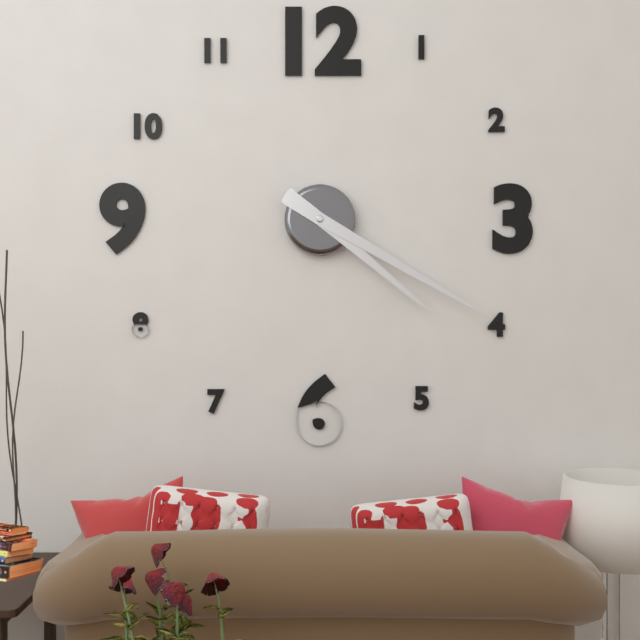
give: {"hour": 4, "minute": 20}
